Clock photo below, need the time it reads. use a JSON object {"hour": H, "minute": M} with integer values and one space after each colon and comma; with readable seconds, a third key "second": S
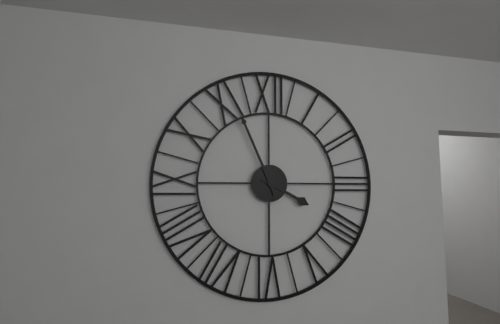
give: {"hour": 3, "minute": 56}
